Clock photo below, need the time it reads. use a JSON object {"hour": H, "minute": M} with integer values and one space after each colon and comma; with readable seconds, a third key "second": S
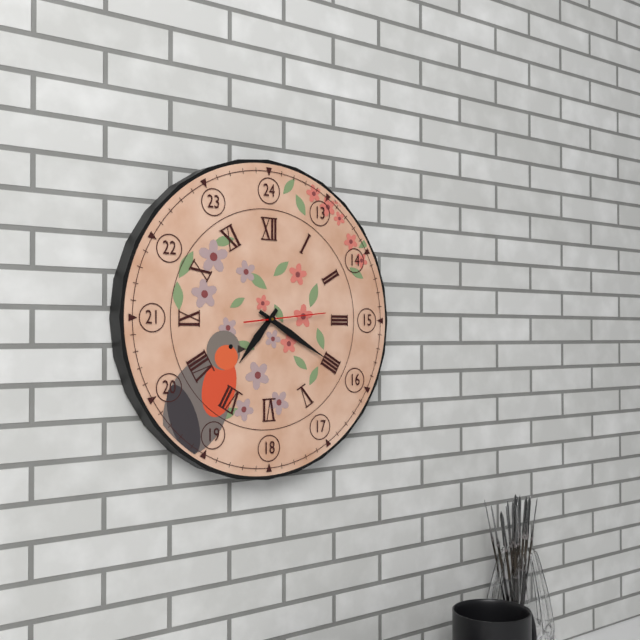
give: {"hour": 7, "minute": 20, "second": 14}
